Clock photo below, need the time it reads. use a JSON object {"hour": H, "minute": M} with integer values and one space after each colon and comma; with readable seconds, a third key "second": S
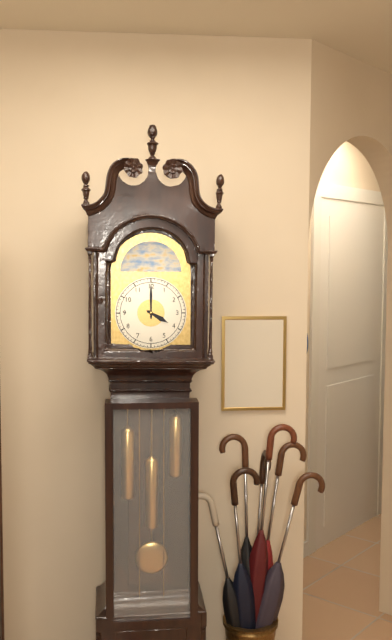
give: {"hour": 4, "minute": 0}
